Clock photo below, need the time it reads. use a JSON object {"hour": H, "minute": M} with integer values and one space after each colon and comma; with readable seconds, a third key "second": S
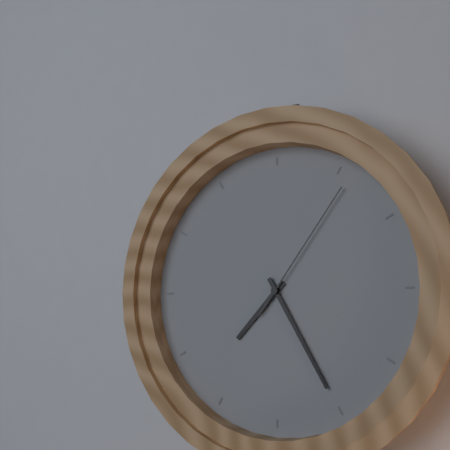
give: {"hour": 7, "minute": 25, "second": 6}
